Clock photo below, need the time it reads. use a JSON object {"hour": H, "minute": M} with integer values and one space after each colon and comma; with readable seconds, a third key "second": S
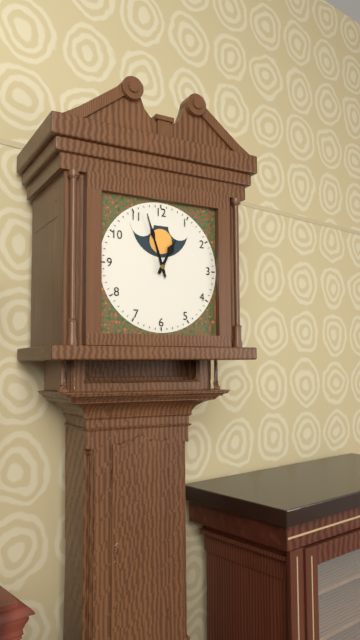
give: {"hour": 12, "minute": 57}
